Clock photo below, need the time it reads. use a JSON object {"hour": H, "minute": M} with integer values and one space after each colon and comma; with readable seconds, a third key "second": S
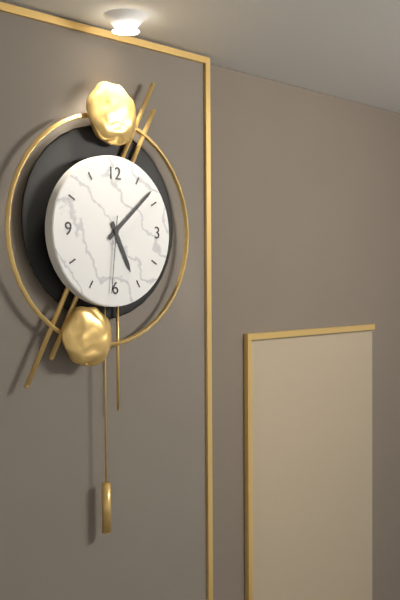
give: {"hour": 5, "minute": 8, "second": 31}
